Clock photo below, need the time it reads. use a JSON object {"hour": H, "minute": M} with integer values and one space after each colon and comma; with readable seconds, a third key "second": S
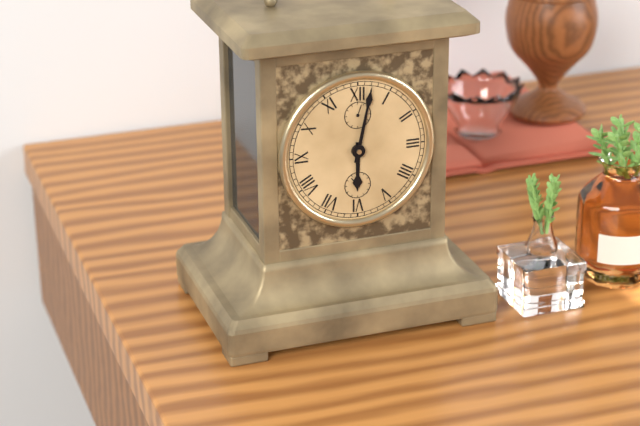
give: {"hour": 6, "minute": 2}
